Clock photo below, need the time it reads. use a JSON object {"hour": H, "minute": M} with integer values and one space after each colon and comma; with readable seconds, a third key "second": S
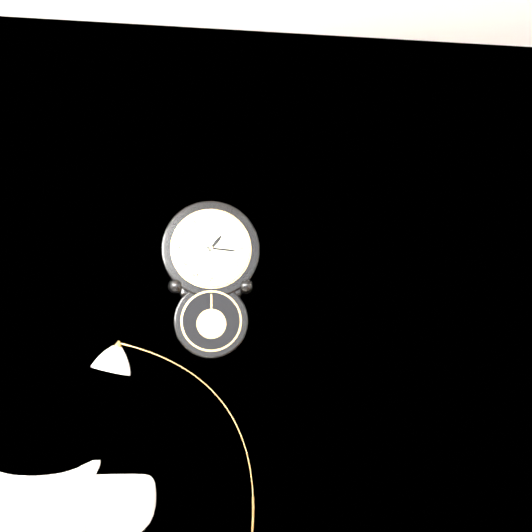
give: {"hour": 1, "minute": 16}
